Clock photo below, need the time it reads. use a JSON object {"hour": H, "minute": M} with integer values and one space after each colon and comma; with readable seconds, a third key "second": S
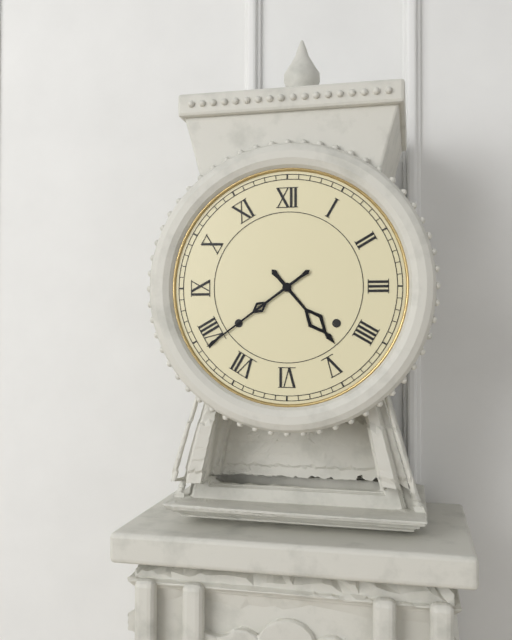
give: {"hour": 4, "minute": 39}
